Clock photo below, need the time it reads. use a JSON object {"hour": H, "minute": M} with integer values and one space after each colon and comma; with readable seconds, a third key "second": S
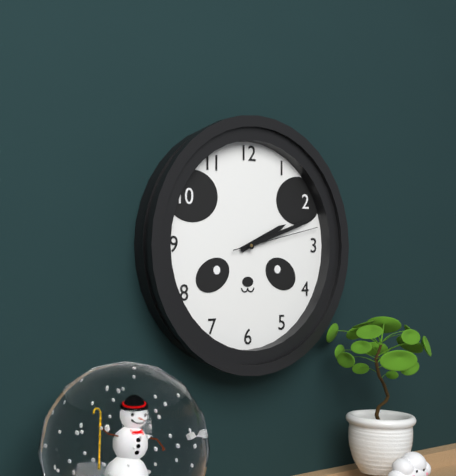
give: {"hour": 2, "minute": 12, "second": 13}
